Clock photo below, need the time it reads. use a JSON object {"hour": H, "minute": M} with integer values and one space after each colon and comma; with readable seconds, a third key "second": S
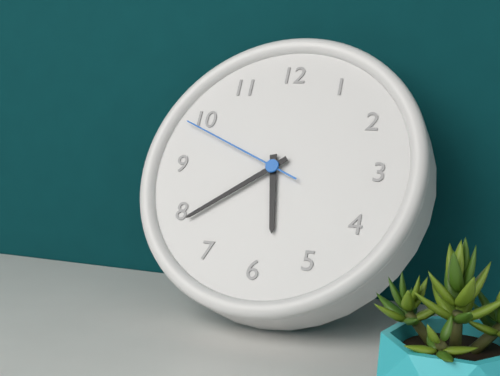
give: {"hour": 5, "minute": 39, "second": 49}
